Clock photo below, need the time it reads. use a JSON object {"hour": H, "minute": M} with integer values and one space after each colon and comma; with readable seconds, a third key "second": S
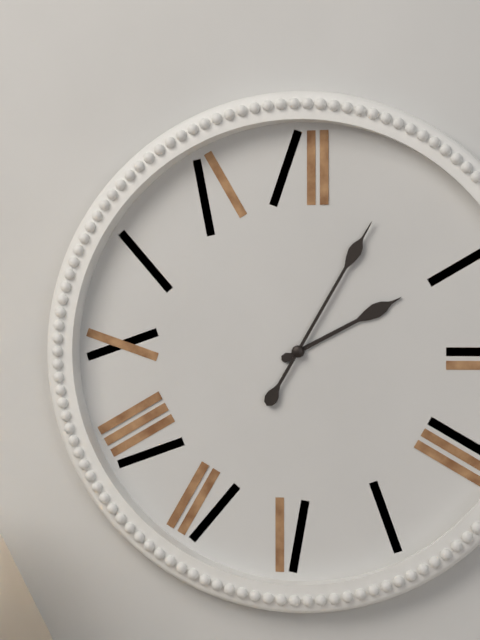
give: {"hour": 2, "minute": 5}
